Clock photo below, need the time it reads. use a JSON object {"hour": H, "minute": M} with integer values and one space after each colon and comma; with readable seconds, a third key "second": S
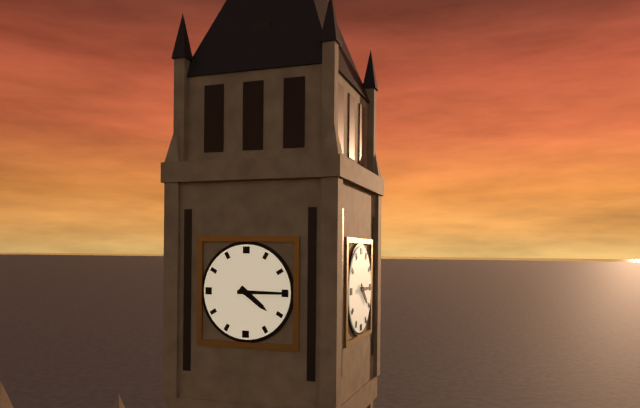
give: {"hour": 4, "minute": 15}
